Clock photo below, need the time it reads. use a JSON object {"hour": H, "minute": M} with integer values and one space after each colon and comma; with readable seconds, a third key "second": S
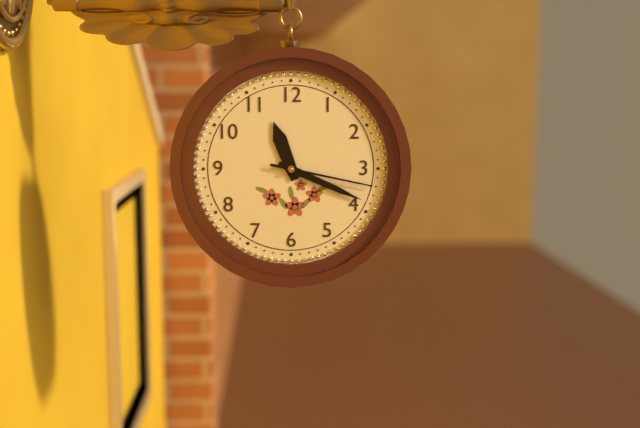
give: {"hour": 11, "minute": 19, "second": 17}
